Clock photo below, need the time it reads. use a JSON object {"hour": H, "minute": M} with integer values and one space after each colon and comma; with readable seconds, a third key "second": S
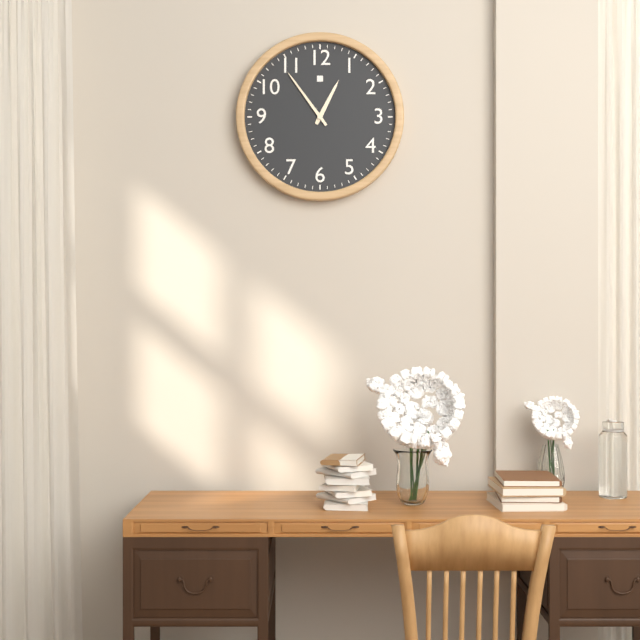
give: {"hour": 12, "minute": 54}
